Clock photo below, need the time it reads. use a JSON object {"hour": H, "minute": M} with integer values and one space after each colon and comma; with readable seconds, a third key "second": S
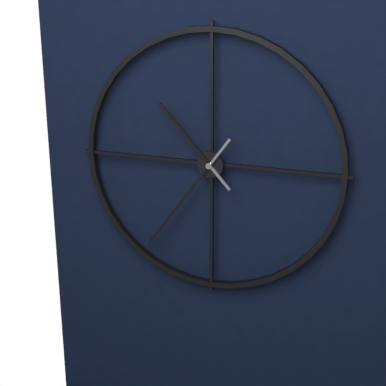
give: {"hour": 10, "minute": 36}
